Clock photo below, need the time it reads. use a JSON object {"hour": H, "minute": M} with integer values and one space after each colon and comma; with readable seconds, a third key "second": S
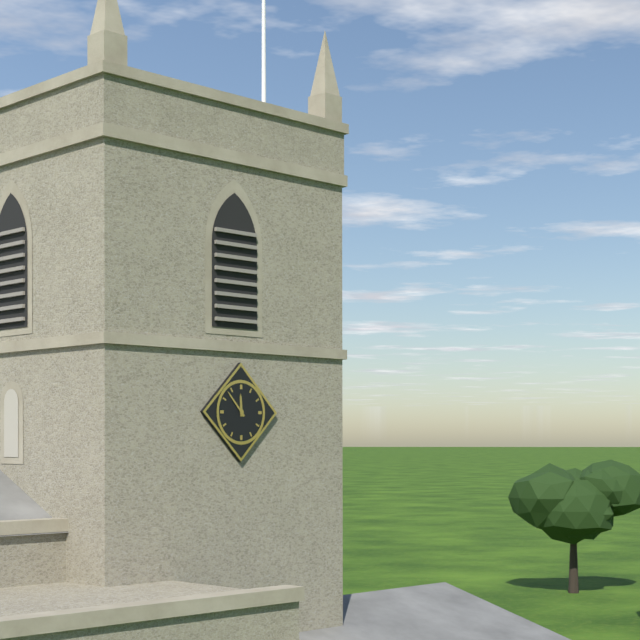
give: {"hour": 11, "minute": 53}
